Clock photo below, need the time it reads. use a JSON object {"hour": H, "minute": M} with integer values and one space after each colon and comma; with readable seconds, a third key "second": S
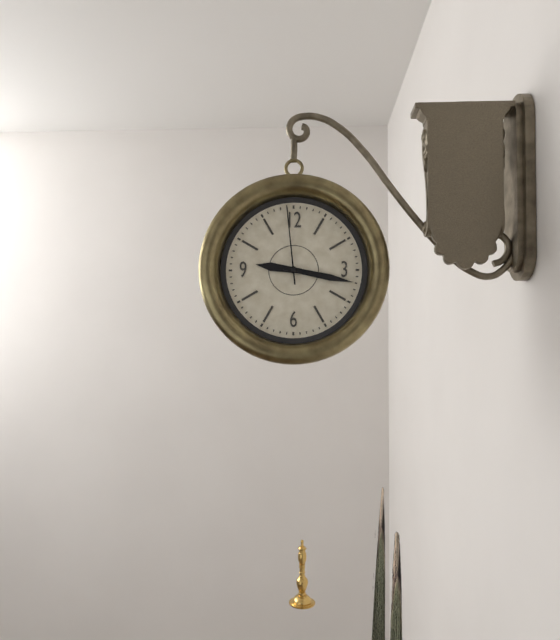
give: {"hour": 9, "minute": 17, "second": 59}
